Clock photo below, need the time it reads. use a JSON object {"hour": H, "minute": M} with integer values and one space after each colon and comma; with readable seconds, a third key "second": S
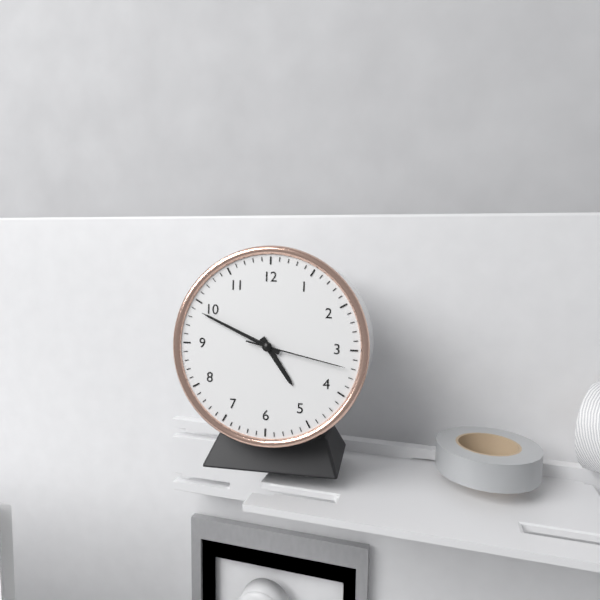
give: {"hour": 4, "minute": 49, "second": 17}
